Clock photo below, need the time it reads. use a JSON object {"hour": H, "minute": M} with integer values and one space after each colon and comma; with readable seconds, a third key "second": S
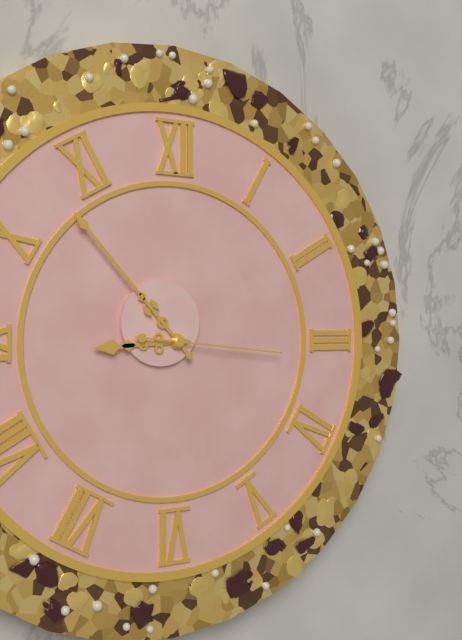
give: {"hour": 8, "minute": 53, "second": 16}
